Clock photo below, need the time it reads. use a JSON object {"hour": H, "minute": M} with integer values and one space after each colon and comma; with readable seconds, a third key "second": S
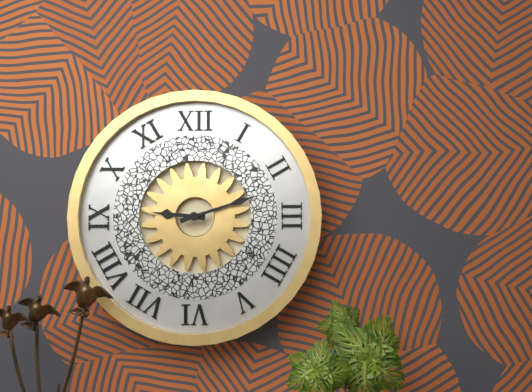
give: {"hour": 9, "minute": 12}
